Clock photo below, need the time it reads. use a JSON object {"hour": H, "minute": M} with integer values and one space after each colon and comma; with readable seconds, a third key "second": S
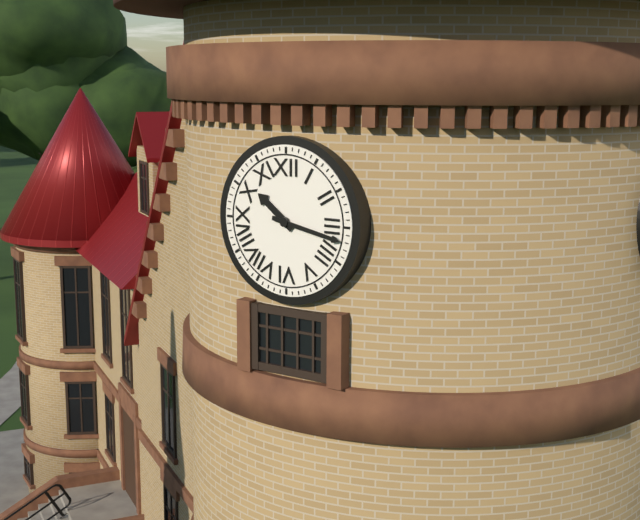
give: {"hour": 10, "minute": 17}
